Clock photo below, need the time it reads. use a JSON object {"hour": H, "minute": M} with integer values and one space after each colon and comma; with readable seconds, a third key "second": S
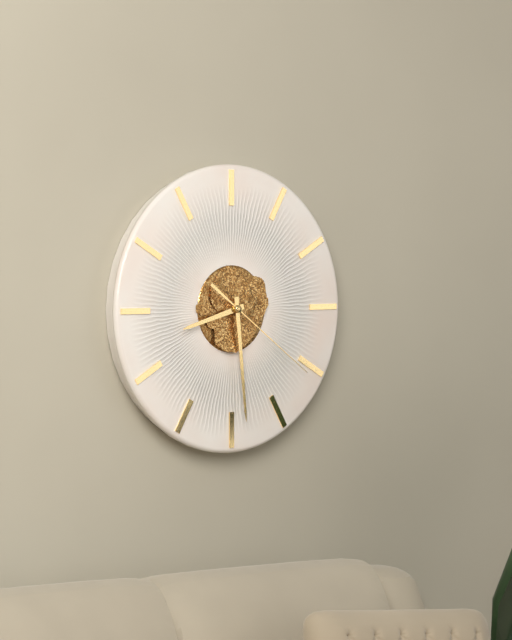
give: {"hour": 8, "minute": 29, "second": 21}
